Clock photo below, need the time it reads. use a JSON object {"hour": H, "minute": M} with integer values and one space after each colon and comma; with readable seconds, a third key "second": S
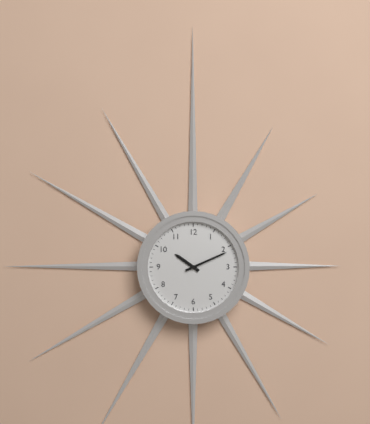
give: {"hour": 10, "minute": 11}
